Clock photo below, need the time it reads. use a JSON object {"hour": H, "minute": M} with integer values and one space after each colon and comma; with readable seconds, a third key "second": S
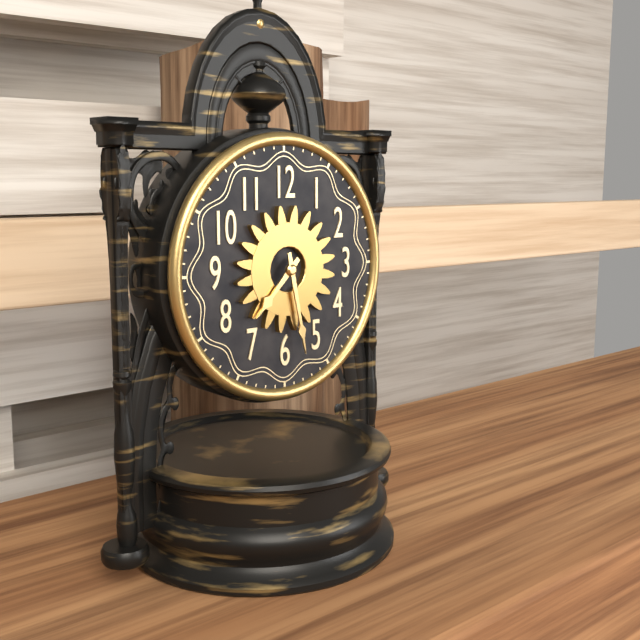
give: {"hour": 7, "minute": 28}
